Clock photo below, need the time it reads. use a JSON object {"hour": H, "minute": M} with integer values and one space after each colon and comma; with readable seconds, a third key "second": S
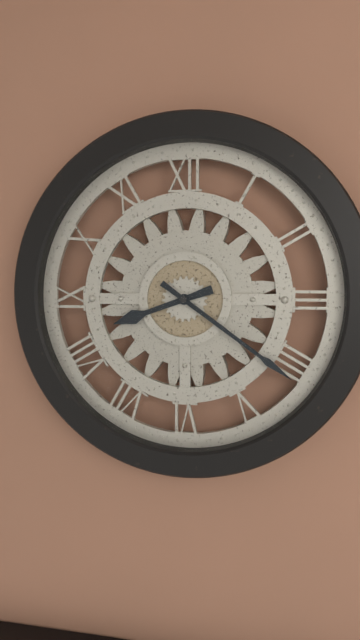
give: {"hour": 8, "minute": 21}
